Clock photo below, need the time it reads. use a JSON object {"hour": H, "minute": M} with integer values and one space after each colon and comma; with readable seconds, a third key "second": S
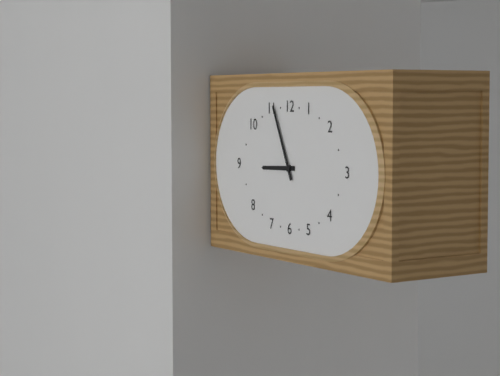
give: {"hour": 8, "minute": 56}
